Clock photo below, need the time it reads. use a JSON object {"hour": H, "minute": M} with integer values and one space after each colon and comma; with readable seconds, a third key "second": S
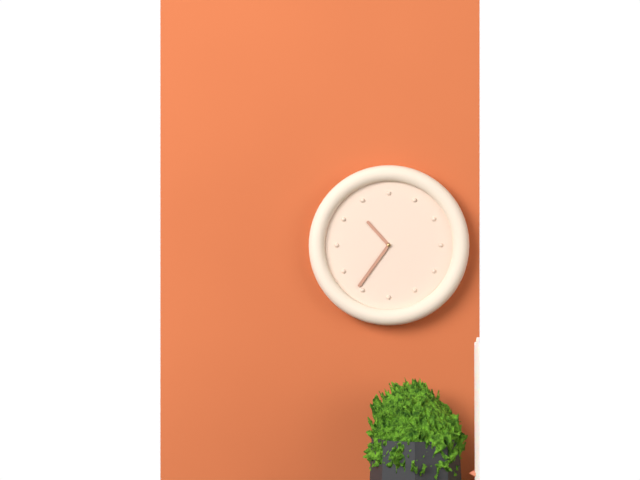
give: {"hour": 10, "minute": 36}
